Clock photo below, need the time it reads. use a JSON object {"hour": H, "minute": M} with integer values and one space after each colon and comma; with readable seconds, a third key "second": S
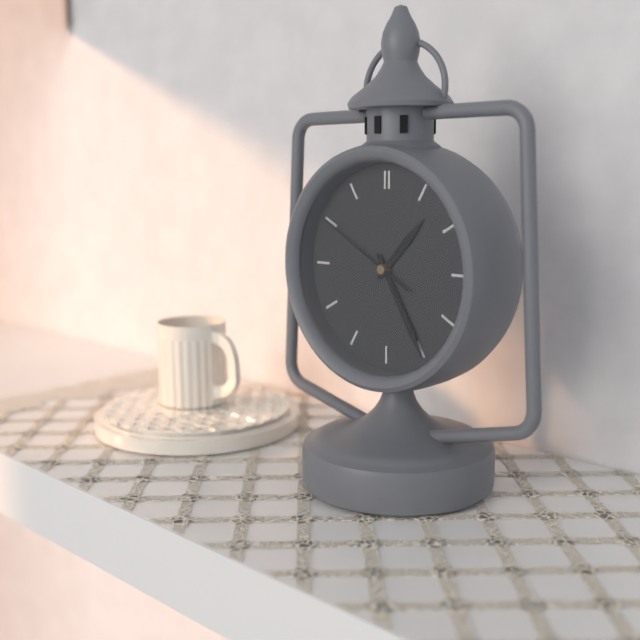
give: {"hour": 1, "minute": 25, "second": 50}
